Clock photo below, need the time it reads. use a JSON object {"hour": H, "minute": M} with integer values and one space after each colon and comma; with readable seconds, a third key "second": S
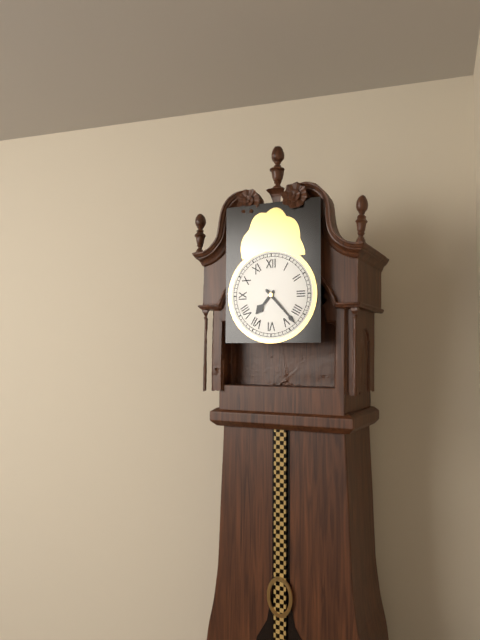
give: {"hour": 7, "minute": 23}
